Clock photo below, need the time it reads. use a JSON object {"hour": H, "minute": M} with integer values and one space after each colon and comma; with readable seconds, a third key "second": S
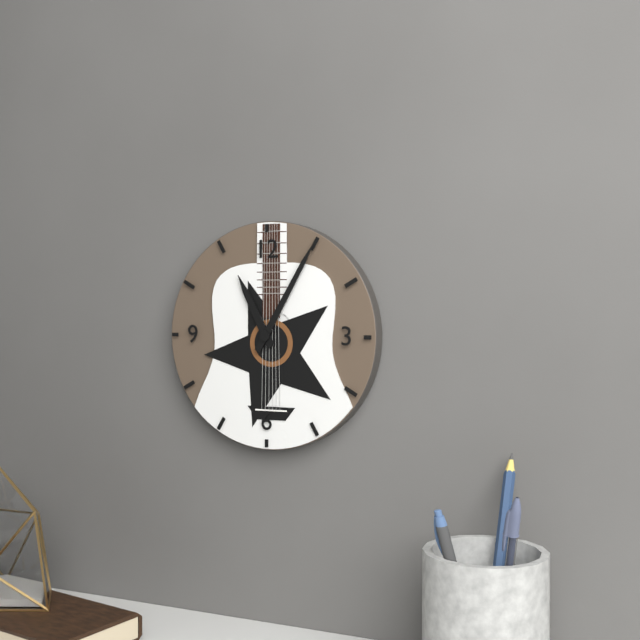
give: {"hour": 11, "minute": 5}
